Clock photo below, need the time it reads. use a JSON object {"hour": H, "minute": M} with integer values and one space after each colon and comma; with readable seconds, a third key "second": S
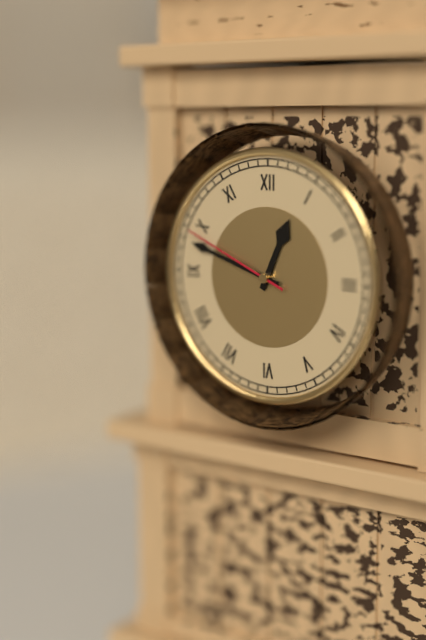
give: {"hour": 12, "minute": 48, "second": 49}
